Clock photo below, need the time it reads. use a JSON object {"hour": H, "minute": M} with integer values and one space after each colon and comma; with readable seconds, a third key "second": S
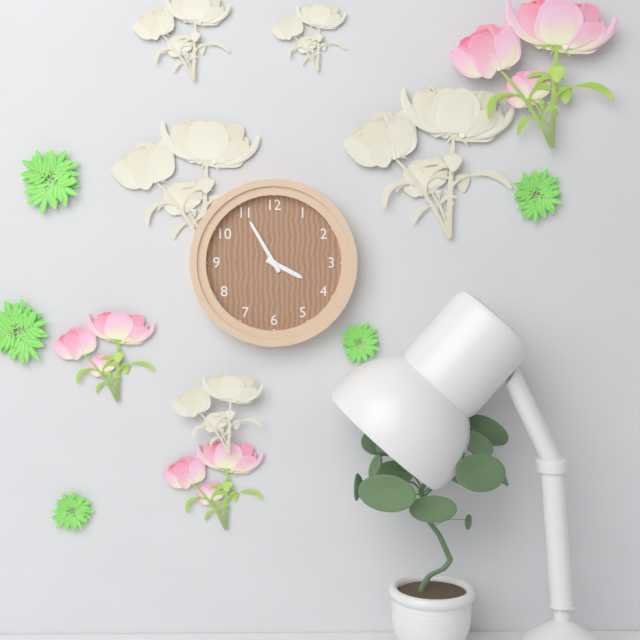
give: {"hour": 3, "minute": 55}
